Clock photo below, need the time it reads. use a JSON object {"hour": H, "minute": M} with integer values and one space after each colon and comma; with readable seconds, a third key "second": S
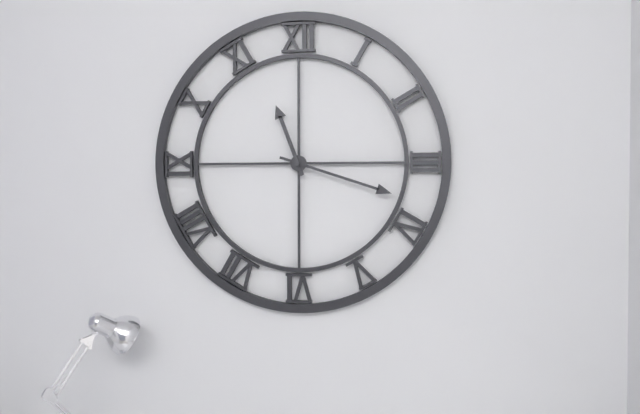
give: {"hour": 11, "minute": 18}
